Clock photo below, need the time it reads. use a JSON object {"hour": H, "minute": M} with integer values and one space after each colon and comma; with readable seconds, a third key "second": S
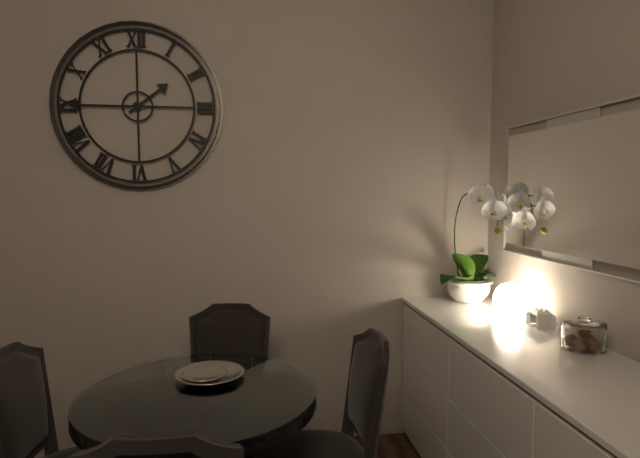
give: {"hour": 1, "minute": 45}
